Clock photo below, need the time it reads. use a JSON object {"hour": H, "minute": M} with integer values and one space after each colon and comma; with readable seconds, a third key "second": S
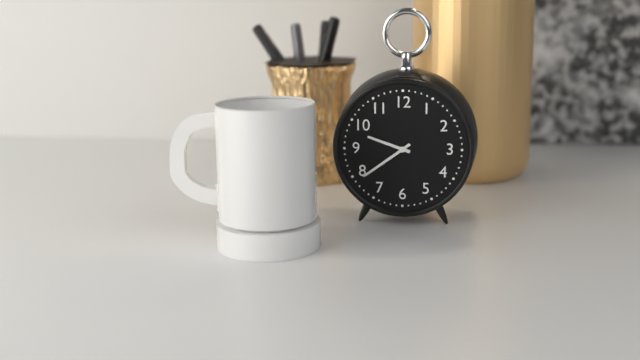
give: {"hour": 9, "minute": 39}
